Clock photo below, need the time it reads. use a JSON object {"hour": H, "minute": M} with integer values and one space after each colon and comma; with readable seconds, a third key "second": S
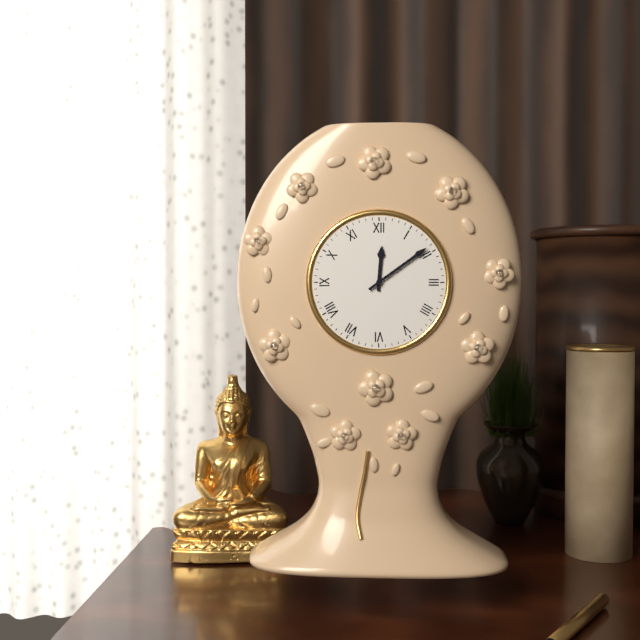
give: {"hour": 12, "minute": 9}
